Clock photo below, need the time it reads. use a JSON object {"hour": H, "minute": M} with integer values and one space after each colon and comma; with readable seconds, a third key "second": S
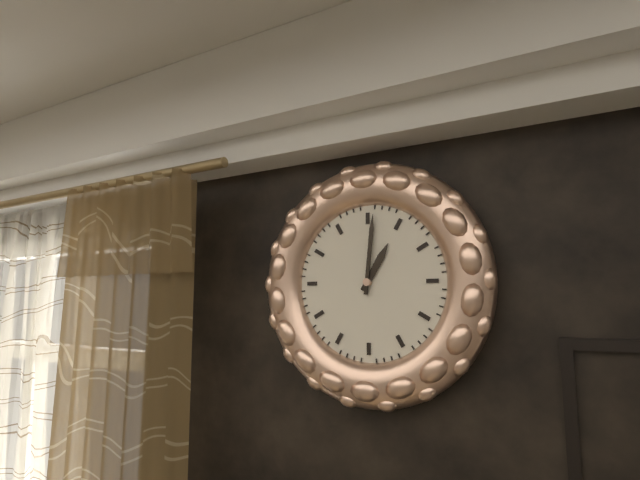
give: {"hour": 1, "minute": 1}
